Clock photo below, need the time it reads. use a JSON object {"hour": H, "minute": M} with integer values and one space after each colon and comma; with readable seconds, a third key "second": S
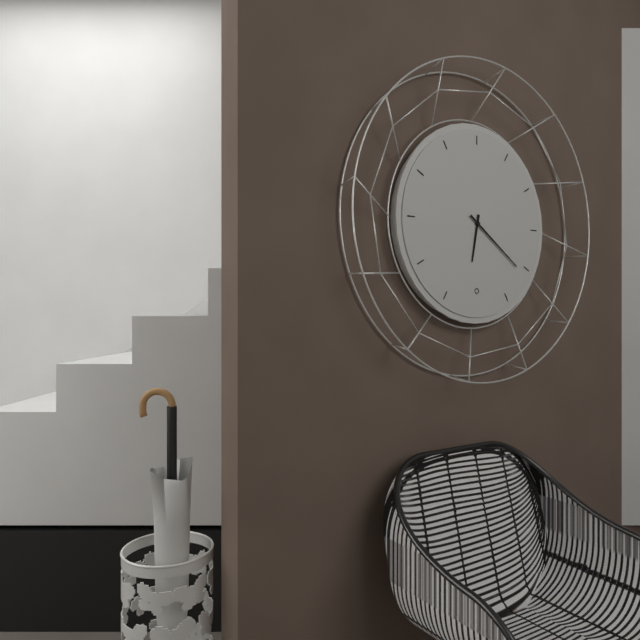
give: {"hour": 6, "minute": 21}
